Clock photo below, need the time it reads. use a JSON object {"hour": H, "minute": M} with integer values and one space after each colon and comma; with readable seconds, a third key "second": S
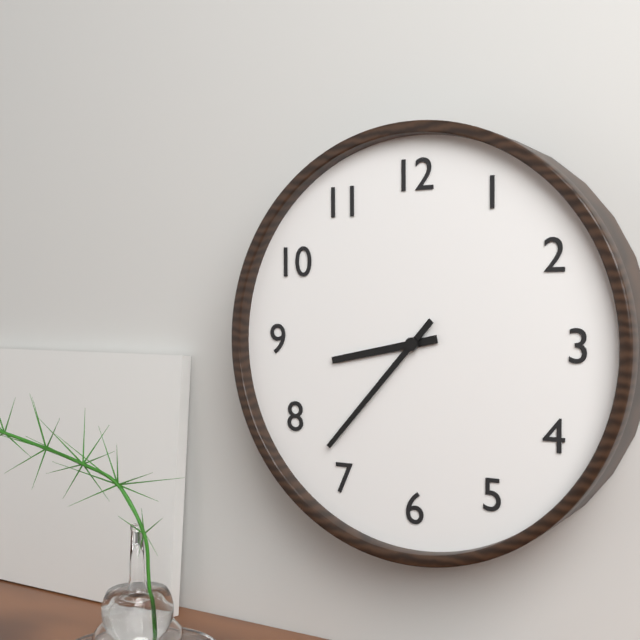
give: {"hour": 8, "minute": 37}
